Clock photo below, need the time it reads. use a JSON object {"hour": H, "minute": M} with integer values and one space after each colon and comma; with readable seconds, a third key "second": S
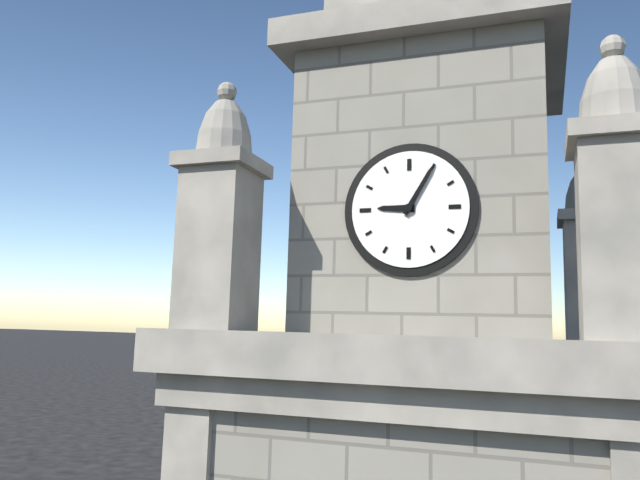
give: {"hour": 9, "minute": 5}
